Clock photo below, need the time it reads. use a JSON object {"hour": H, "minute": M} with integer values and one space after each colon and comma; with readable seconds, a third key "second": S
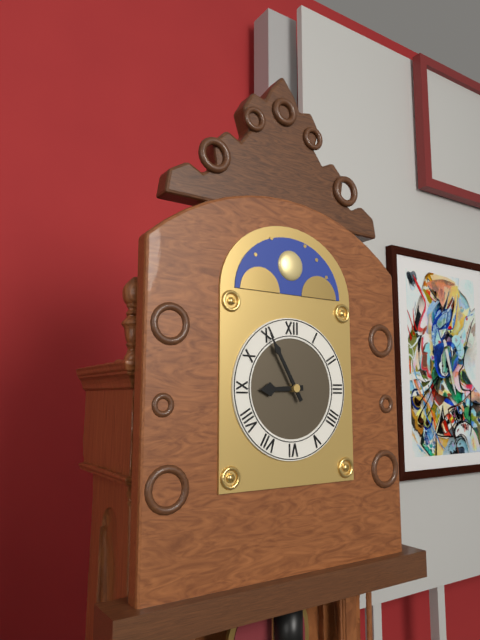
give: {"hour": 8, "minute": 55}
